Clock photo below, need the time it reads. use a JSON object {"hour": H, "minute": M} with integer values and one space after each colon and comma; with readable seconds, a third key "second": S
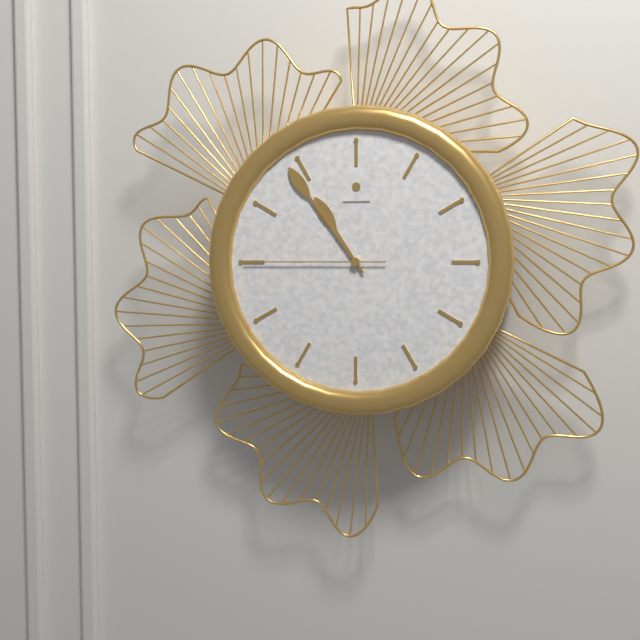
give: {"hour": 10, "minute": 54, "second": 45}
